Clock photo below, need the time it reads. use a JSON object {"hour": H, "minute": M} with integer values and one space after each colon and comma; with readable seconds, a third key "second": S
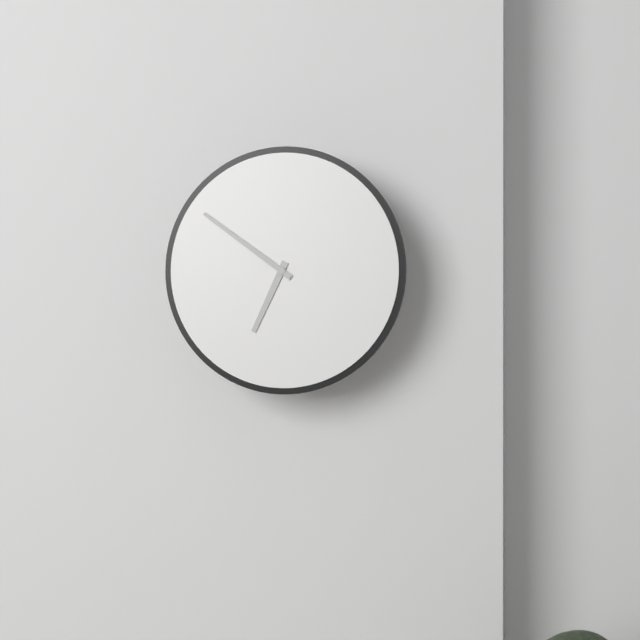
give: {"hour": 6, "minute": 51}
